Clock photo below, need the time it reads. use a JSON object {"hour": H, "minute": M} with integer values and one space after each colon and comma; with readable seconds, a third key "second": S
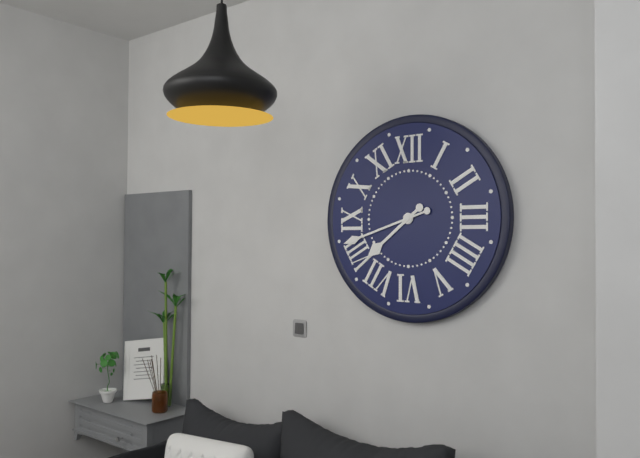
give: {"hour": 7, "minute": 42}
